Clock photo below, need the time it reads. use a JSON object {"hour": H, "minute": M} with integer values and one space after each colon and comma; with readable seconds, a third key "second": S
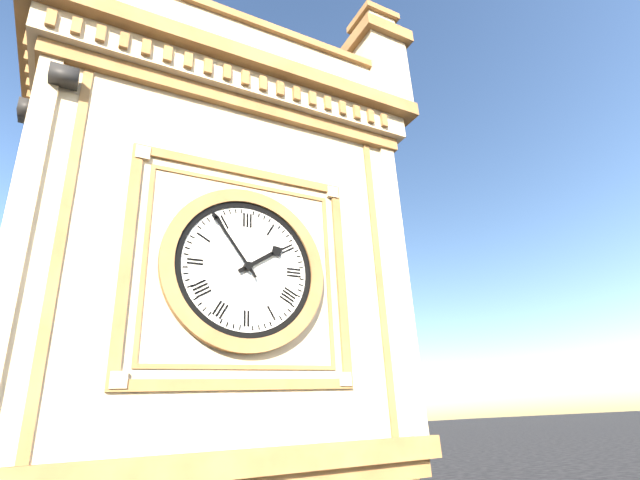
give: {"hour": 1, "minute": 54}
